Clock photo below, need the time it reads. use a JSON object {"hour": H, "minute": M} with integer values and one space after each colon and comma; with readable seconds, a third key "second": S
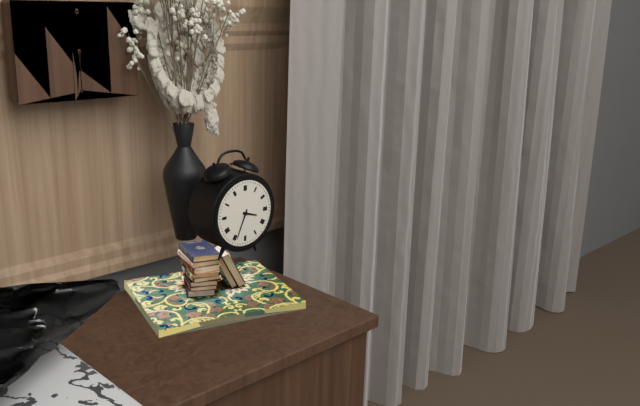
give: {"hour": 3, "minute": 34}
